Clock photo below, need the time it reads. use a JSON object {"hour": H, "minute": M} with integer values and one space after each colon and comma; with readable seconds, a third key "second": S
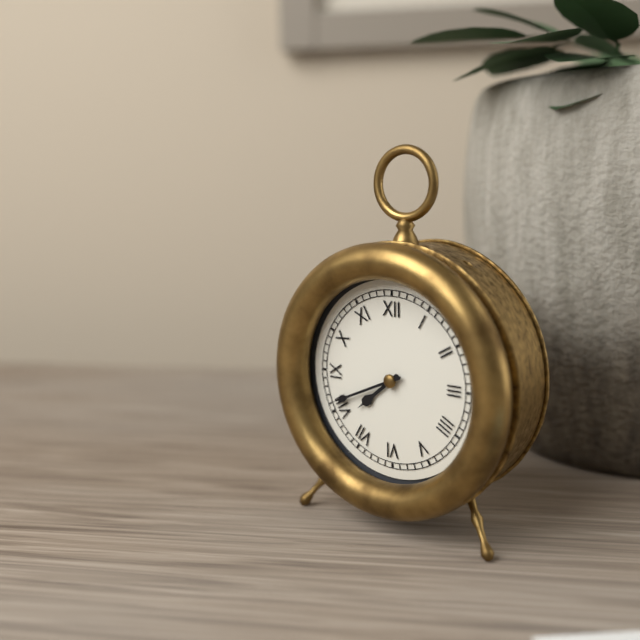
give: {"hour": 7, "minute": 41}
